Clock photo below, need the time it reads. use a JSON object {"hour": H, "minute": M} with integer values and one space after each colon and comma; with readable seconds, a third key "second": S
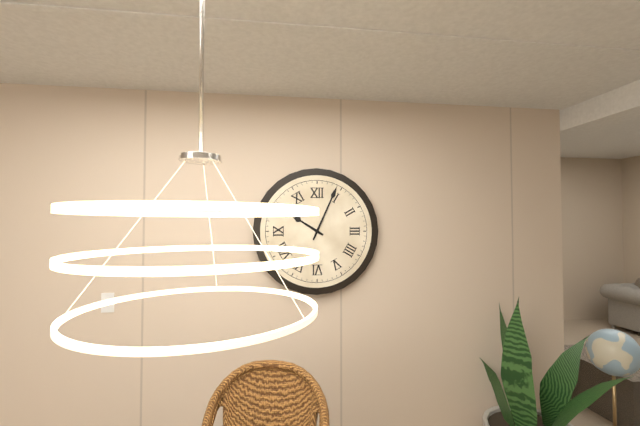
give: {"hour": 10, "minute": 4}
